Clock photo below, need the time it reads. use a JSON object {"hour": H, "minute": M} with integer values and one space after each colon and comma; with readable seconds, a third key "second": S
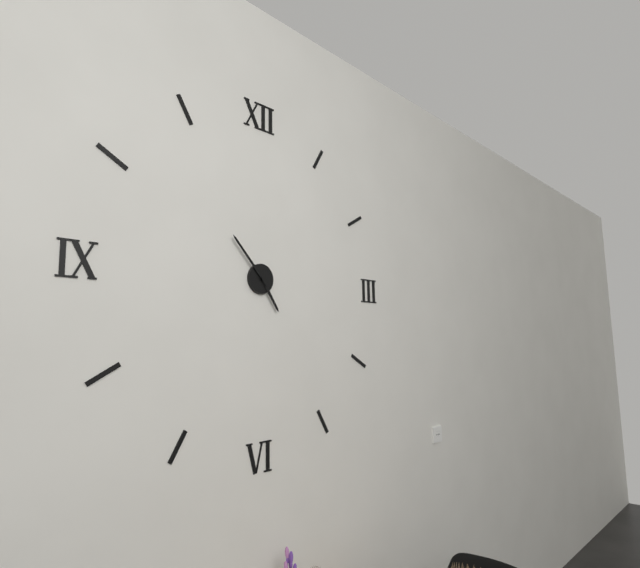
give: {"hour": 4, "minute": 53}
